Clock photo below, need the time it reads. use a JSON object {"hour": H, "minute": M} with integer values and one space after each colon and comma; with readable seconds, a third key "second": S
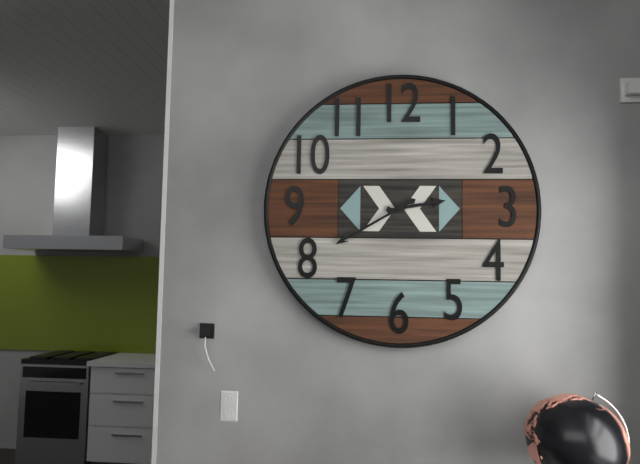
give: {"hour": 2, "minute": 40}
